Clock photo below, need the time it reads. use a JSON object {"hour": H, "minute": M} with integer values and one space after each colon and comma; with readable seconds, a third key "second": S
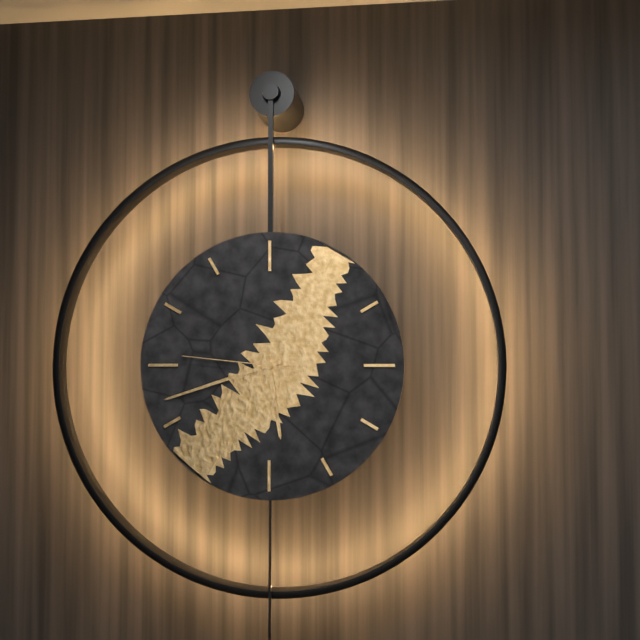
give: {"hour": 5, "minute": 42, "second": 46}
